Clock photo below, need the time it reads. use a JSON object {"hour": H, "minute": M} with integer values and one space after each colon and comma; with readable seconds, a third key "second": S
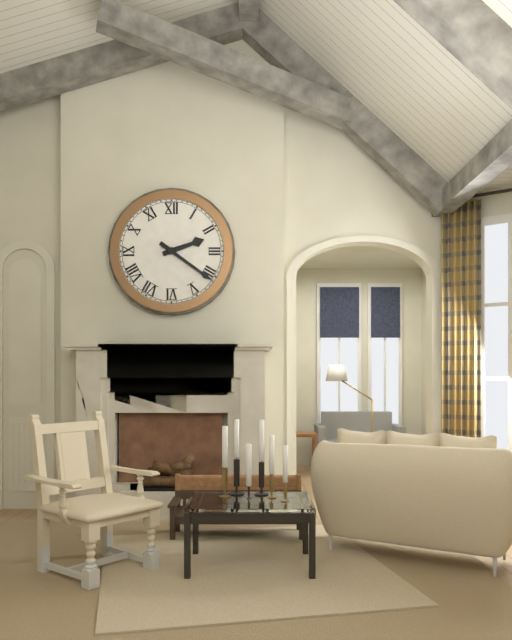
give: {"hour": 2, "minute": 21}
